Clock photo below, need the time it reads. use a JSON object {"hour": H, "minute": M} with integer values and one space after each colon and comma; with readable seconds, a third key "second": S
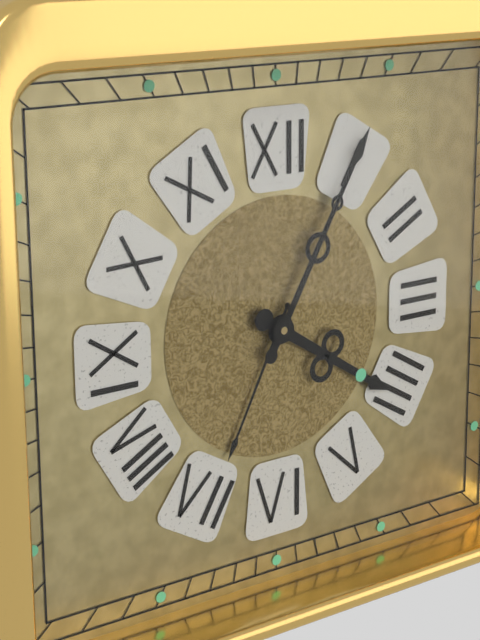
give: {"hour": 4, "minute": 5}
